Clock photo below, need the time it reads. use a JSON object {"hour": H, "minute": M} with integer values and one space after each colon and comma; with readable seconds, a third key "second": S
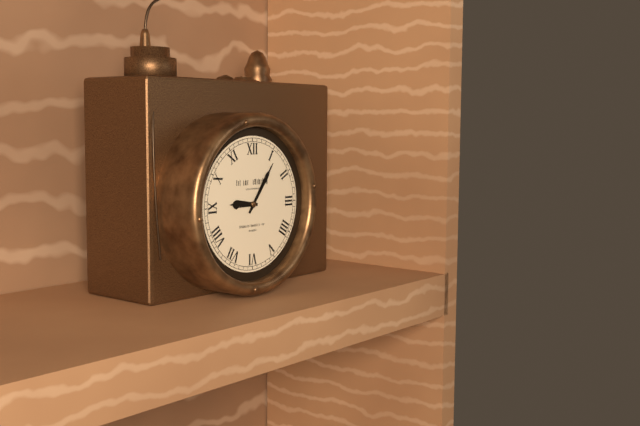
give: {"hour": 9, "minute": 6}
